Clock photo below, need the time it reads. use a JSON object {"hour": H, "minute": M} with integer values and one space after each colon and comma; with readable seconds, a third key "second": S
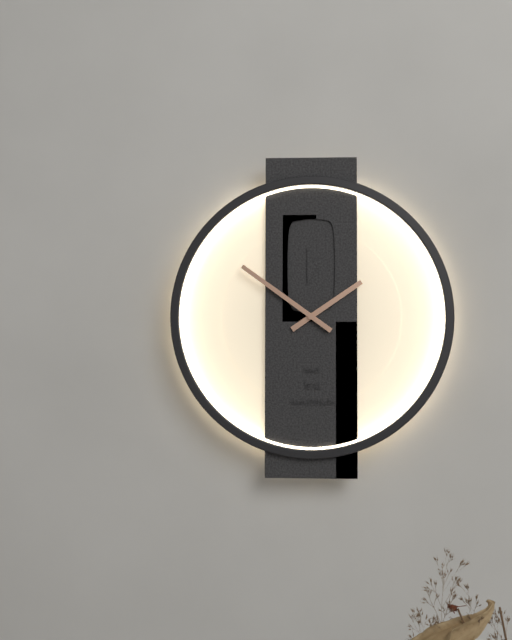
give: {"hour": 1, "minute": 51}
